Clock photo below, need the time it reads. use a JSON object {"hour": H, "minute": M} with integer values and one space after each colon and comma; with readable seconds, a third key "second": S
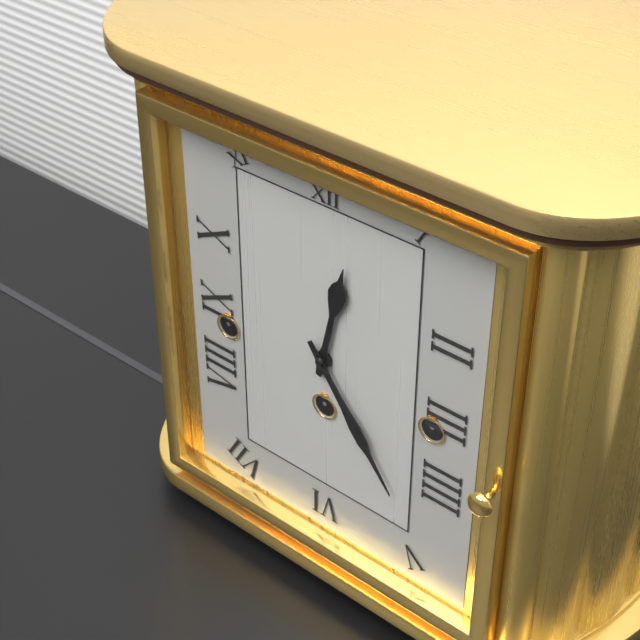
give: {"hour": 12, "minute": 24}
